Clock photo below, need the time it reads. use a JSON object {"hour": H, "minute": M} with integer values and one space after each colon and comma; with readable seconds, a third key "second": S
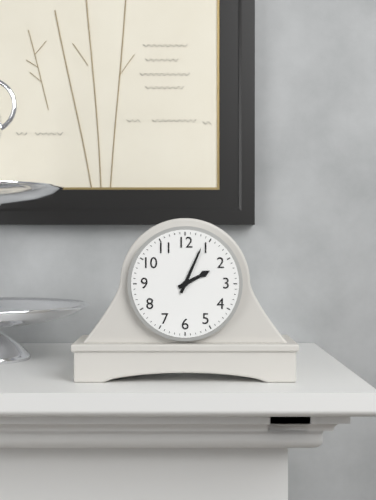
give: {"hour": 2, "minute": 4}
